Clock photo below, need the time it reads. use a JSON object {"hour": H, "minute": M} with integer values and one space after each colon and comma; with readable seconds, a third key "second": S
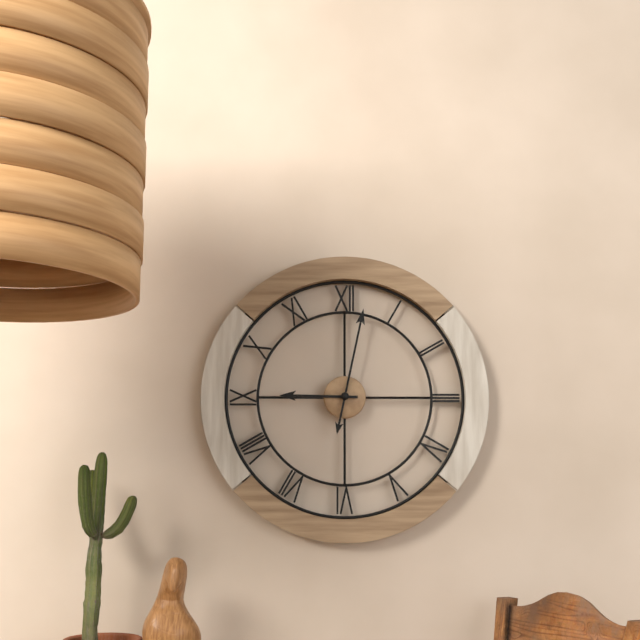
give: {"hour": 9, "minute": 2}
